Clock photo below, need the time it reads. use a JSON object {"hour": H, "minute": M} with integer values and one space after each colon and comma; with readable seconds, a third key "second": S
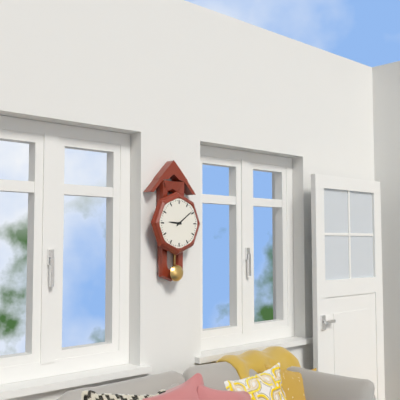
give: {"hour": 9, "minute": 9}
